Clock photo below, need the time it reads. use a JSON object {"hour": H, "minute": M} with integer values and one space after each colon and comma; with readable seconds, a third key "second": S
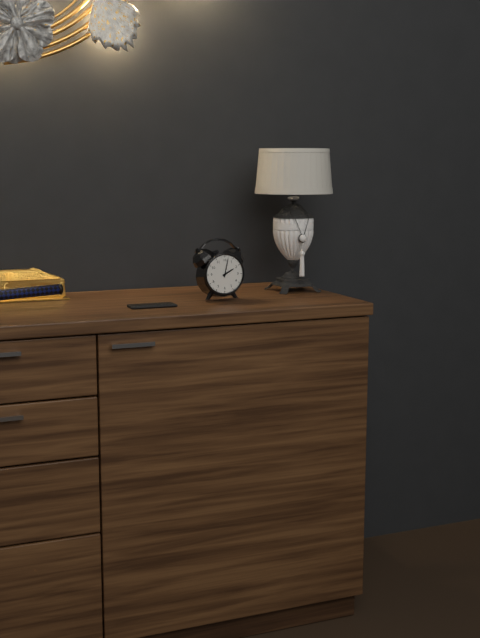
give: {"hour": 2, "minute": 2}
